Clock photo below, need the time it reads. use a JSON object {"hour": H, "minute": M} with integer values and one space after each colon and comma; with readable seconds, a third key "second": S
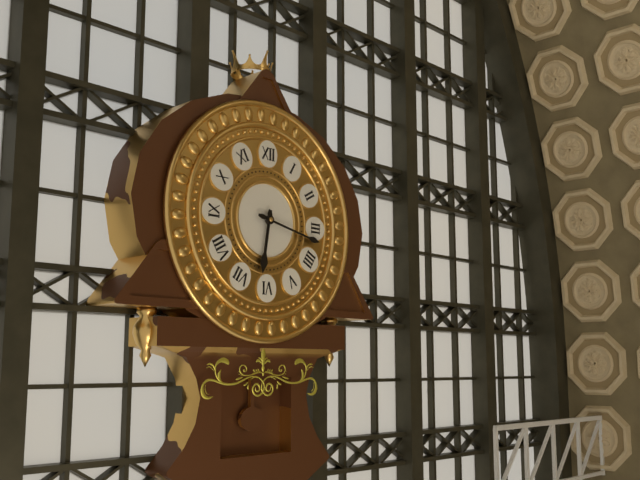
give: {"hour": 6, "minute": 17}
